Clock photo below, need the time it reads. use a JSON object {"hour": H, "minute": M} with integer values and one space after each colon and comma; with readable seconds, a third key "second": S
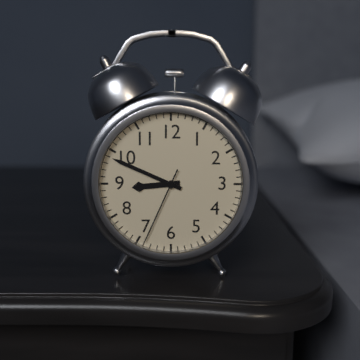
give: {"hour": 8, "minute": 49, "second": 34}
